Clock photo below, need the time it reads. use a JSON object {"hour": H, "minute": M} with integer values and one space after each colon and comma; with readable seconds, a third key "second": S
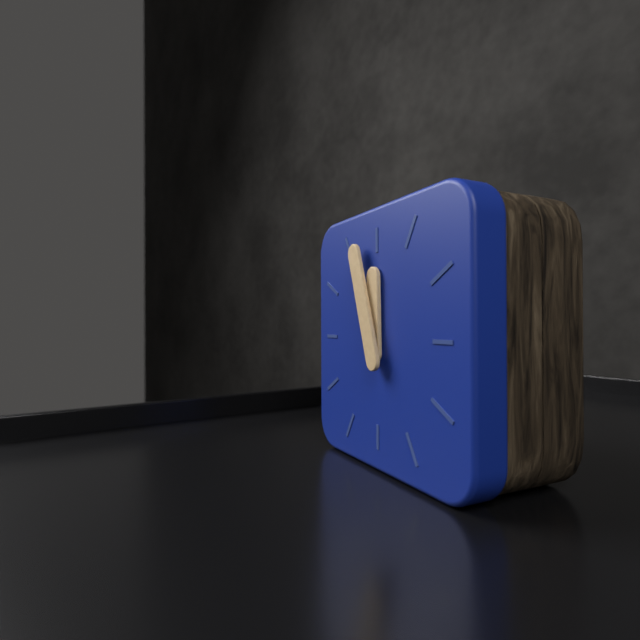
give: {"hour": 11, "minute": 57}
